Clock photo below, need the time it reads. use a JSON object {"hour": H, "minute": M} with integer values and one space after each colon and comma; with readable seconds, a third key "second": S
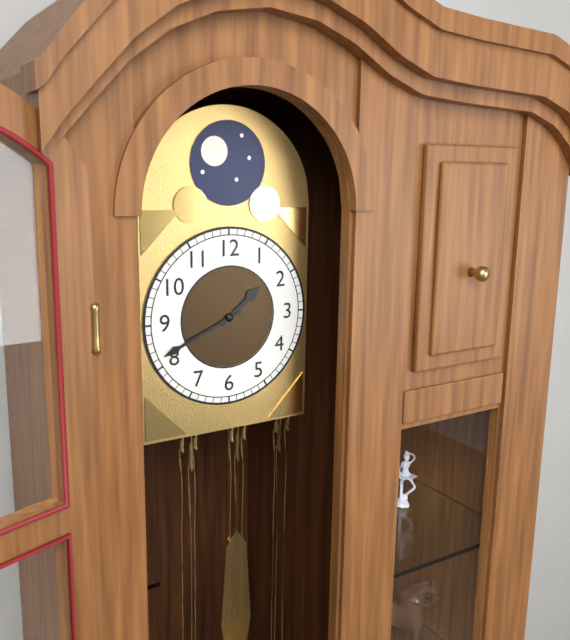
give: {"hour": 1, "minute": 41}
